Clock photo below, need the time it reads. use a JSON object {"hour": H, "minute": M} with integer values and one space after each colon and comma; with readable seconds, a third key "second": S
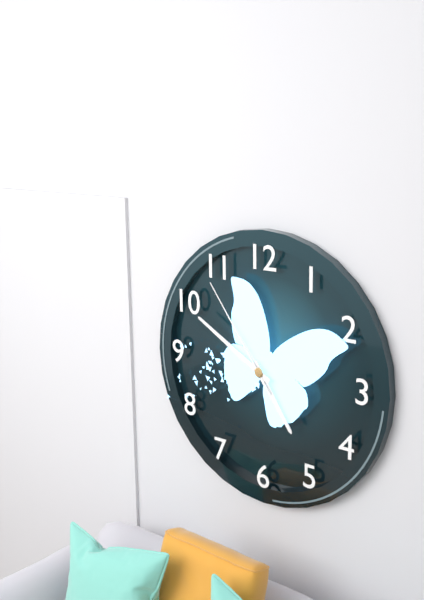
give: {"hour": 4, "minute": 50, "second": 54}
